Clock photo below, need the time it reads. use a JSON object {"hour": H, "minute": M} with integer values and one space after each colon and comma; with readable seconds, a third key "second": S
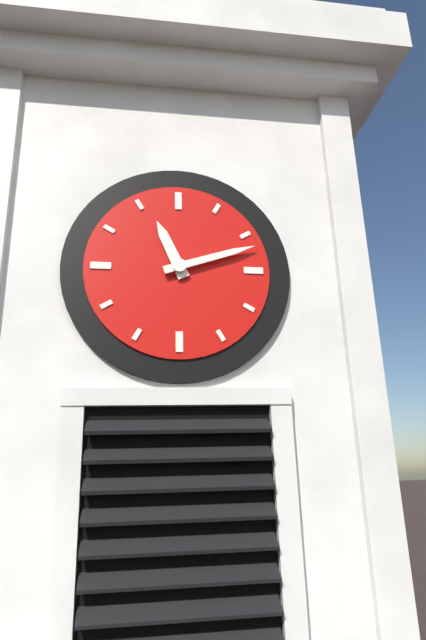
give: {"hour": 11, "minute": 12}
